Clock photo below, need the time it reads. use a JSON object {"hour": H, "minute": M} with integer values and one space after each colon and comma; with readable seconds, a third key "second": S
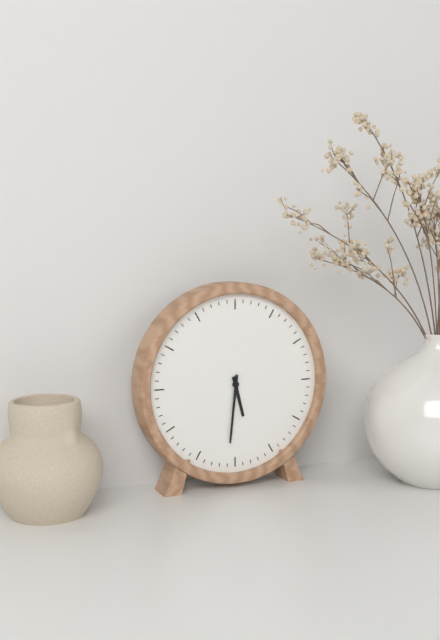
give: {"hour": 5, "minute": 31}
